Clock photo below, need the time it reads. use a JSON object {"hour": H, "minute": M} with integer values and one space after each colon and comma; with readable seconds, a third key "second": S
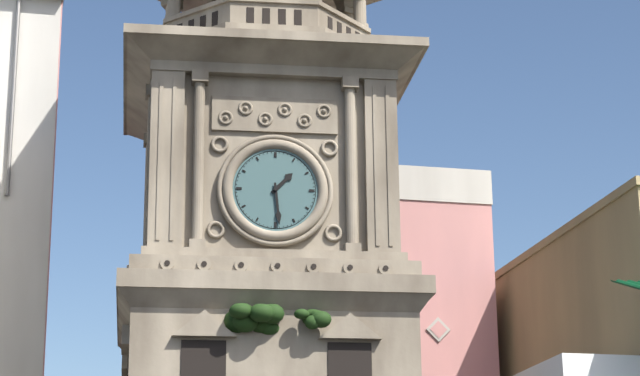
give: {"hour": 1, "minute": 29}
